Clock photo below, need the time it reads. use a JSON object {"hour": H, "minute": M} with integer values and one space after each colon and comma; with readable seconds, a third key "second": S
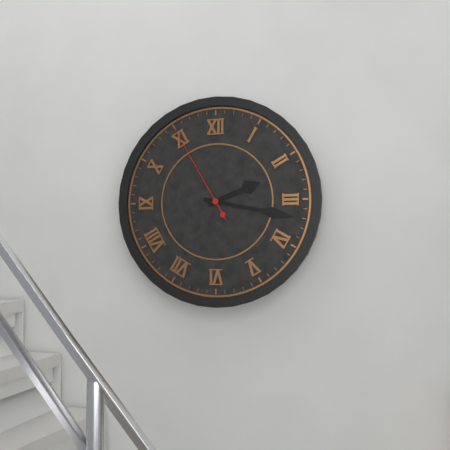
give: {"hour": 2, "minute": 17, "second": 55}
